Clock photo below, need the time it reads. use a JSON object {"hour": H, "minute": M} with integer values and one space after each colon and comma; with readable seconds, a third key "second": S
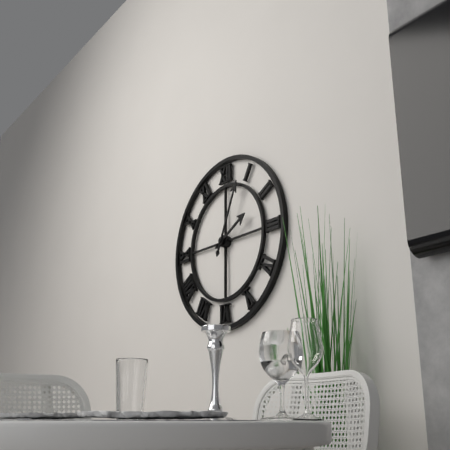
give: {"hour": 2, "minute": 4}
